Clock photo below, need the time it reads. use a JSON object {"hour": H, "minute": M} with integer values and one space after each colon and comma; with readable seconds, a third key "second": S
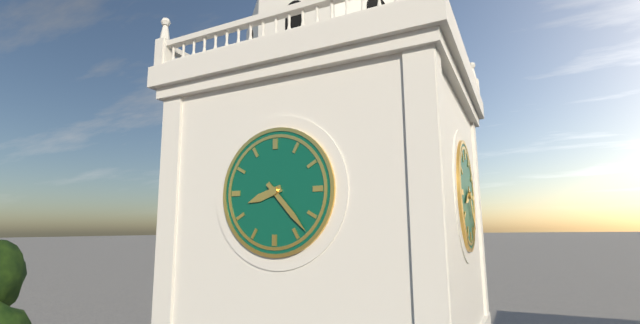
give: {"hour": 8, "minute": 23}
